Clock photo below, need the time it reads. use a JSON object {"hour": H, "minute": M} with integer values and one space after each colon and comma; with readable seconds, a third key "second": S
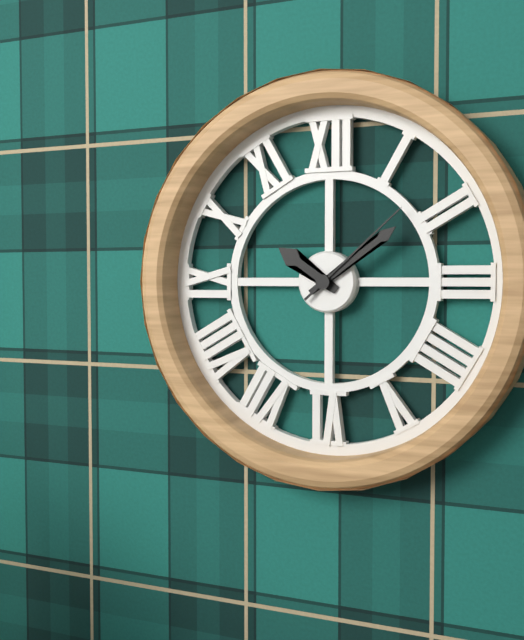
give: {"hour": 10, "minute": 9, "second": 8}
